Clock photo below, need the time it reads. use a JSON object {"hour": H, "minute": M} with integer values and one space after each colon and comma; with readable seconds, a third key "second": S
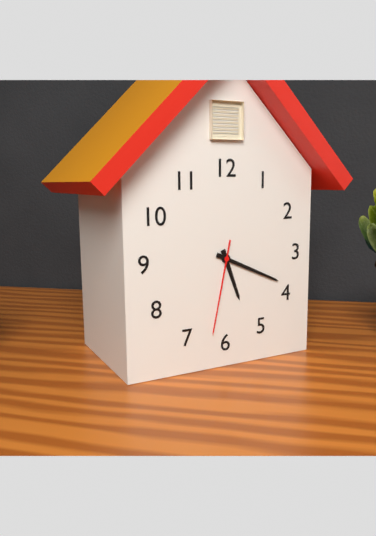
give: {"hour": 5, "minute": 19, "second": 32}
